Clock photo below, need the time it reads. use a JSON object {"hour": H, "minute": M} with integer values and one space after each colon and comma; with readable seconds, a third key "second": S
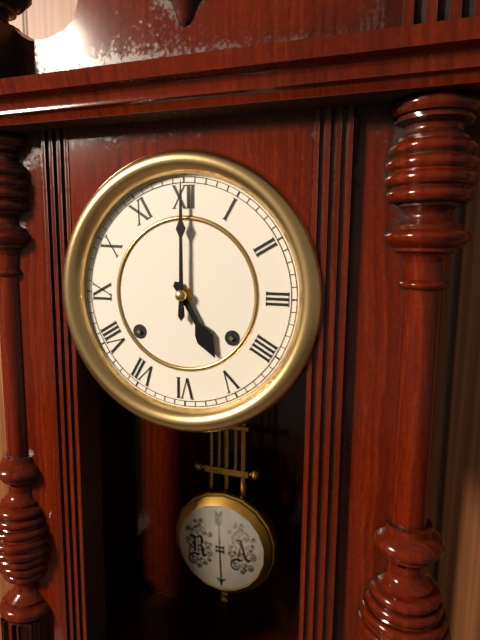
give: {"hour": 5, "minute": 0}
